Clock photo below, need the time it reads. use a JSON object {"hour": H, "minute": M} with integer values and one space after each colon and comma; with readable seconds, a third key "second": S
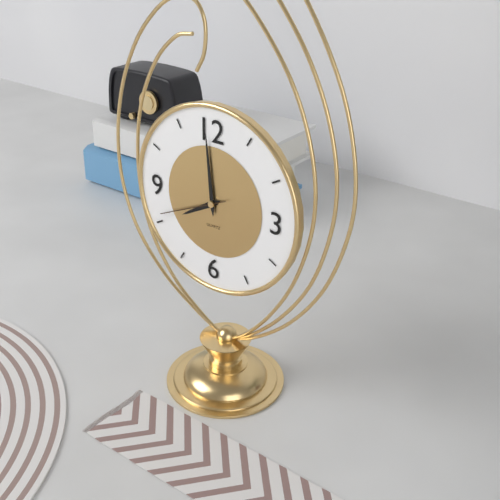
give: {"hour": 7, "minute": 59, "second": 41}
